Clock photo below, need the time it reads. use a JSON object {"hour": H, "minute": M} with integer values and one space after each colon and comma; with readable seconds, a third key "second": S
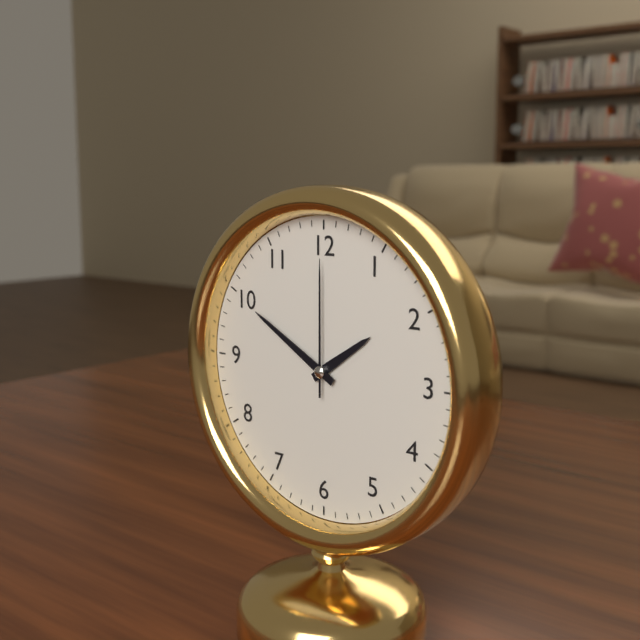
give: {"hour": 1, "minute": 50, "second": 0}
